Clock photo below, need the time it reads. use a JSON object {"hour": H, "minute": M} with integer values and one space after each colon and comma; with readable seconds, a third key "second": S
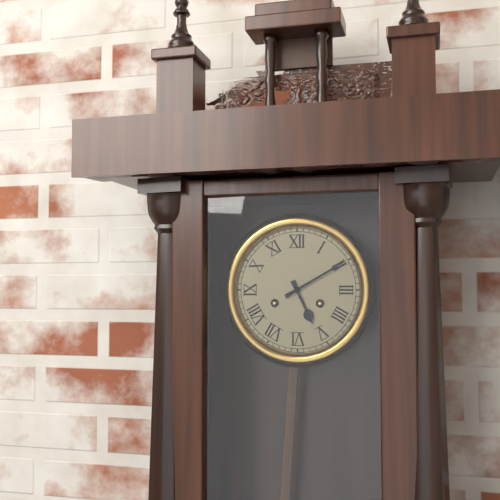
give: {"hour": 5, "minute": 10}
